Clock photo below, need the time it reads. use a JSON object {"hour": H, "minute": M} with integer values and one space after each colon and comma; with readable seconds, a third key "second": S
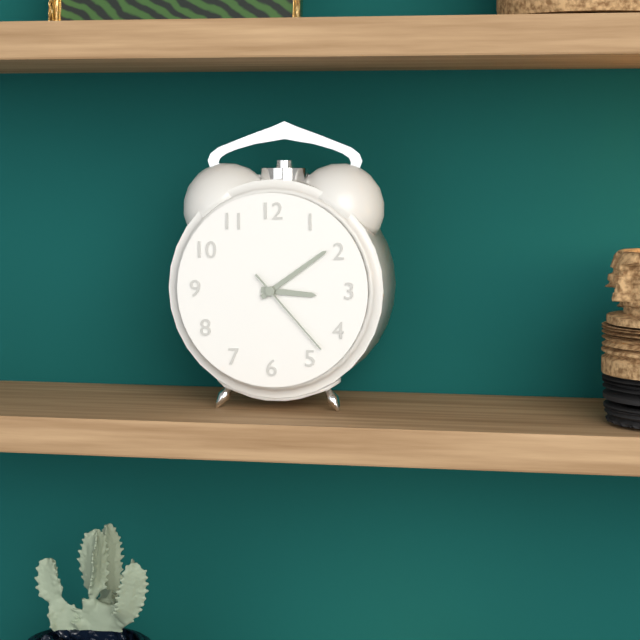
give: {"hour": 3, "minute": 9, "second": 23}
